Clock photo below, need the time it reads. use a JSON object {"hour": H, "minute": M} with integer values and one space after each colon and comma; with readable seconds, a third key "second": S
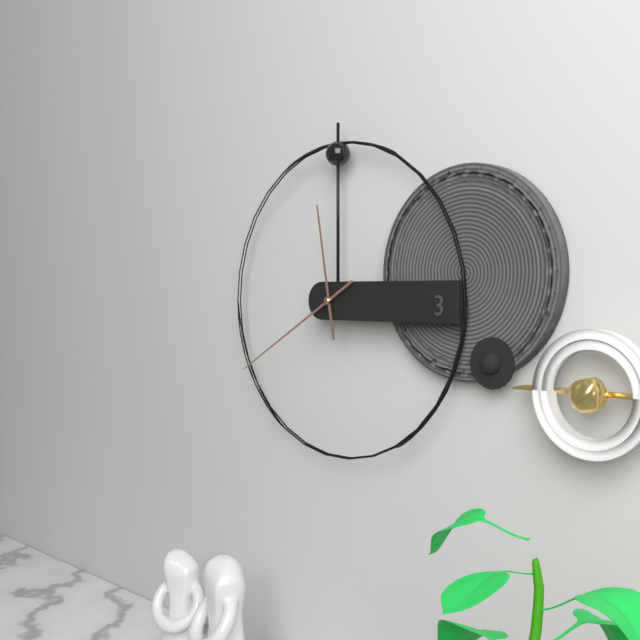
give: {"hour": 11, "minute": 40}
